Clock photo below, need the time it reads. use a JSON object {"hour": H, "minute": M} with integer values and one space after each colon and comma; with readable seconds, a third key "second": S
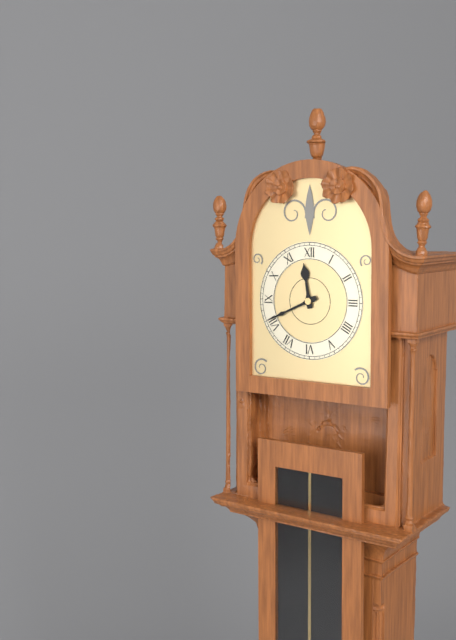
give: {"hour": 11, "minute": 41}
